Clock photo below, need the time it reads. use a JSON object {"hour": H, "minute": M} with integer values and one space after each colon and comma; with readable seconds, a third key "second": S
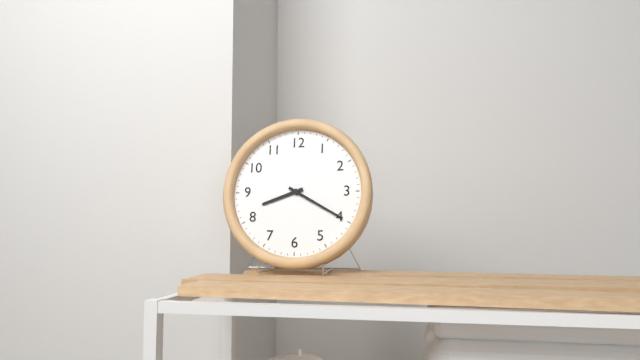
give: {"hour": 8, "minute": 20}
